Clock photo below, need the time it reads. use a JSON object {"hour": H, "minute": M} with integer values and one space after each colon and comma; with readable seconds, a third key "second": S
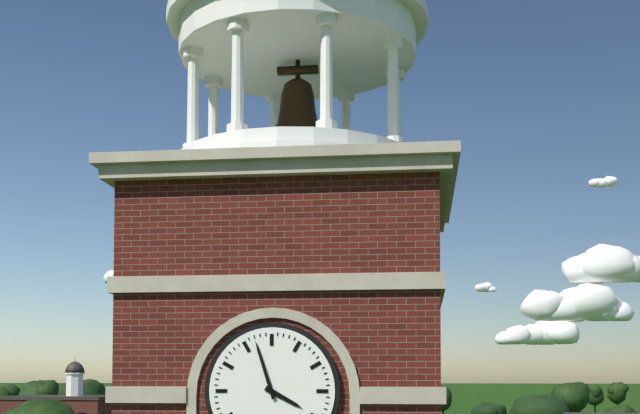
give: {"hour": 3, "minute": 57}
